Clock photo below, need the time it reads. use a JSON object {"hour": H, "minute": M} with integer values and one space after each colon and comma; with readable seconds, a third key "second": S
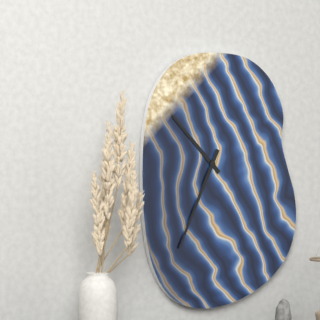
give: {"hour": 10, "minute": 34}
